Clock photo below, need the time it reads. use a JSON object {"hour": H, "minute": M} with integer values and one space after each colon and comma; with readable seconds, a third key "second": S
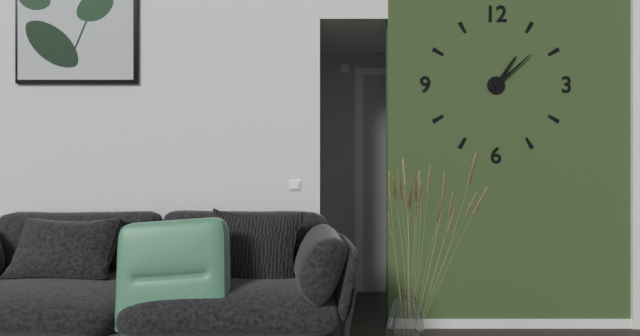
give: {"hour": 1, "minute": 8}
